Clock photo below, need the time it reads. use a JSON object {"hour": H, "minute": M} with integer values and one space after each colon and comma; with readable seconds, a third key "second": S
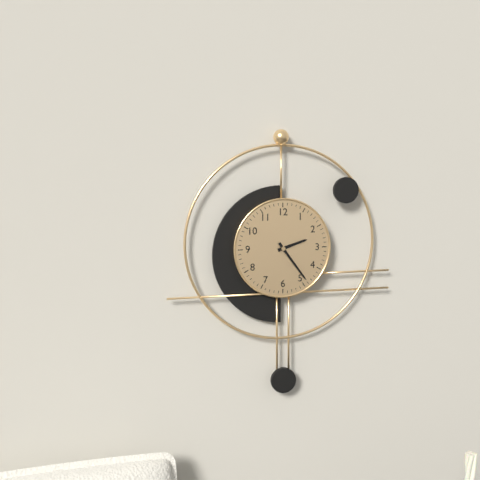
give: {"hour": 2, "minute": 24}
